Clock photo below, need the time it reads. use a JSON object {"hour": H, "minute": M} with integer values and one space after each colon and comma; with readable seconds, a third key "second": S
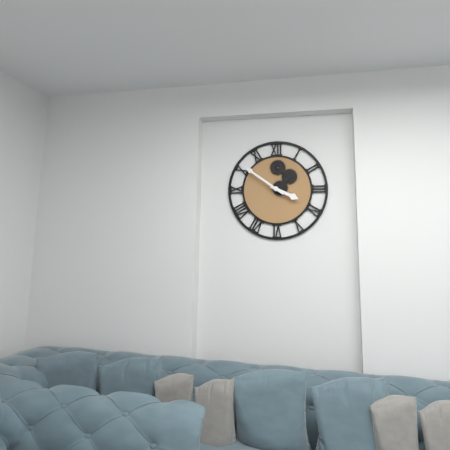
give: {"hour": 3, "minute": 51}
